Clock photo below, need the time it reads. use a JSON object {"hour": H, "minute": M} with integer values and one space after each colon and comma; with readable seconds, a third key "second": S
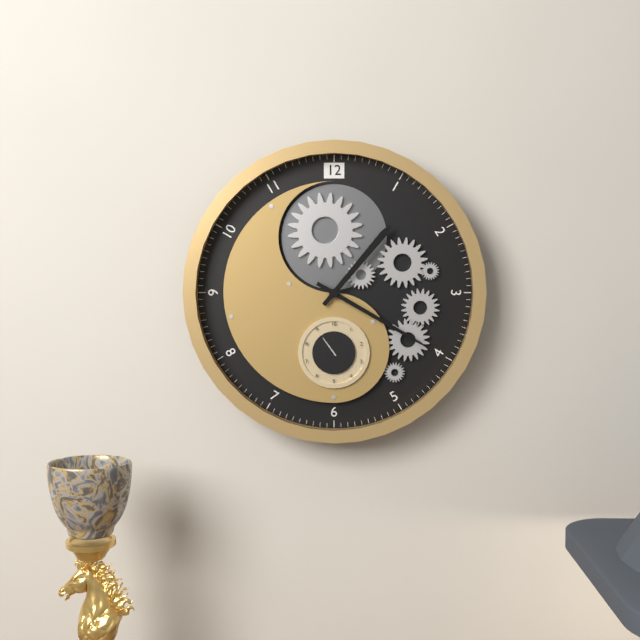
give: {"hour": 1, "minute": 20}
